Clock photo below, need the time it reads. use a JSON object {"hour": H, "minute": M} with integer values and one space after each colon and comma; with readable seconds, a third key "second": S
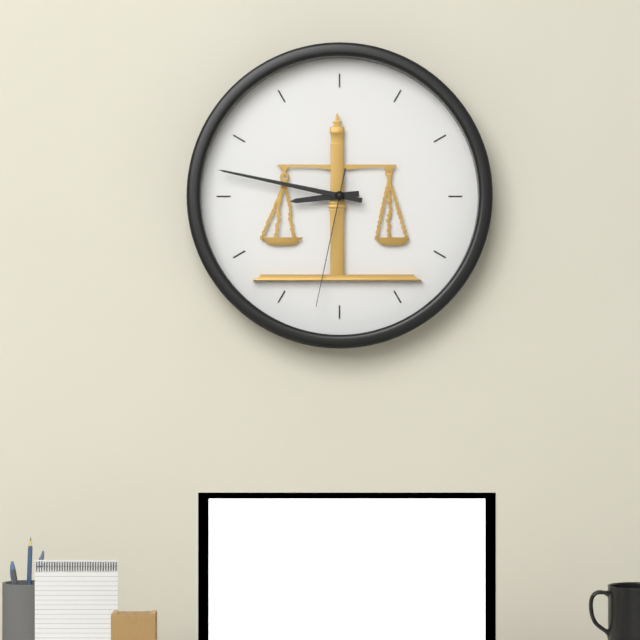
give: {"hour": 8, "minute": 47, "second": 32}
